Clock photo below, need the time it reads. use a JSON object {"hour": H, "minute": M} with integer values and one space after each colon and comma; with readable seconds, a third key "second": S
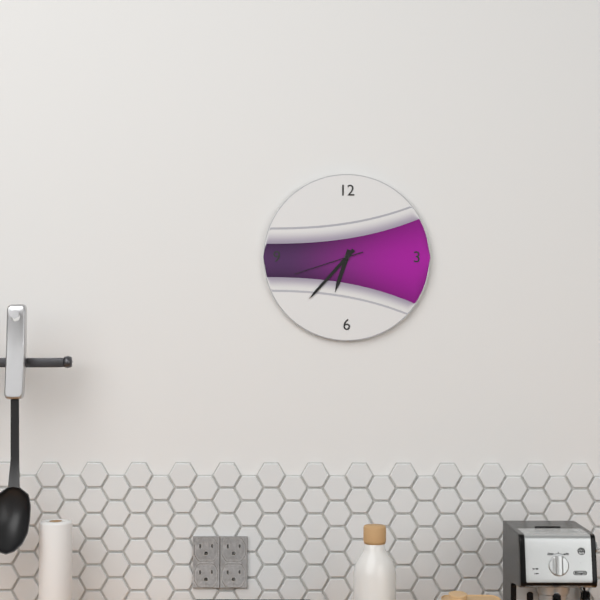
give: {"hour": 6, "minute": 37, "second": 42}
